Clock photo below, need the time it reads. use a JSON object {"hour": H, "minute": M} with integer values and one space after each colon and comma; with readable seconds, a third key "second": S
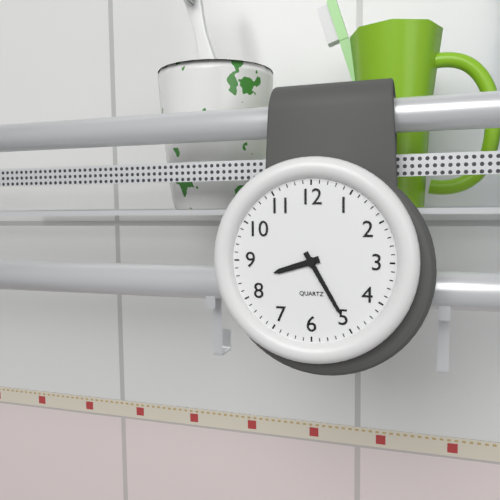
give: {"hour": 8, "minute": 25}
